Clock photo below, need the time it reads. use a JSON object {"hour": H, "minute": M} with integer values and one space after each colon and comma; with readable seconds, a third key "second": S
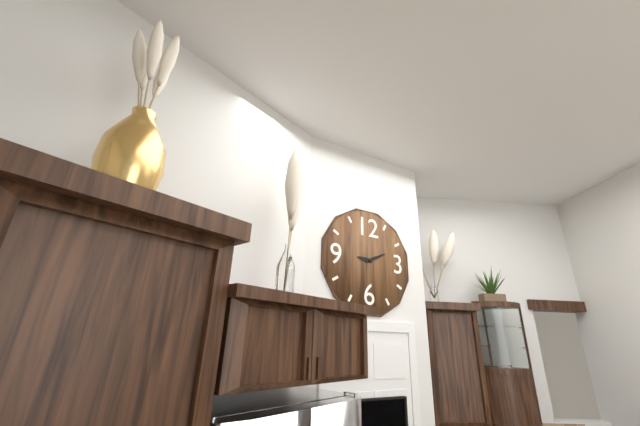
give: {"hour": 9, "minute": 11}
